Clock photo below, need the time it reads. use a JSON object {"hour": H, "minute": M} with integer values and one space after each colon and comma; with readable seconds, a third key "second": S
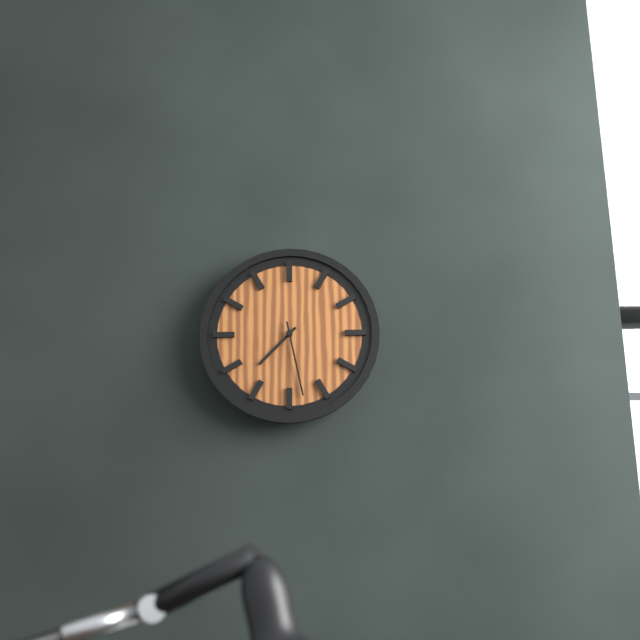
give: {"hour": 7, "minute": 28}
